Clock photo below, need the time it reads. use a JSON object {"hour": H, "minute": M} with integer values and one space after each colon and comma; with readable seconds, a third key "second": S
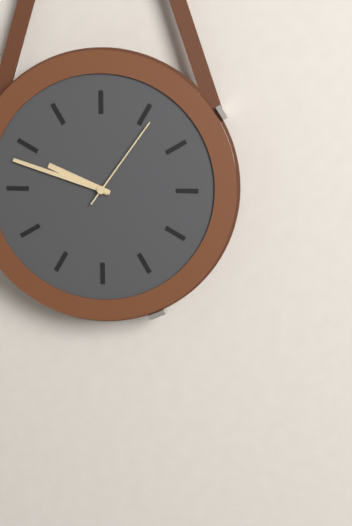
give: {"hour": 9, "minute": 48, "second": 6}
